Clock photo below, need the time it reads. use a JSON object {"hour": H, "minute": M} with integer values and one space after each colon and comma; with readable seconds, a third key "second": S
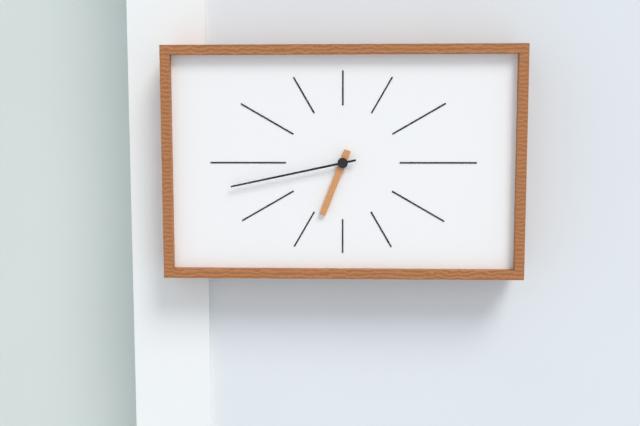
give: {"hour": 6, "minute": 43}
